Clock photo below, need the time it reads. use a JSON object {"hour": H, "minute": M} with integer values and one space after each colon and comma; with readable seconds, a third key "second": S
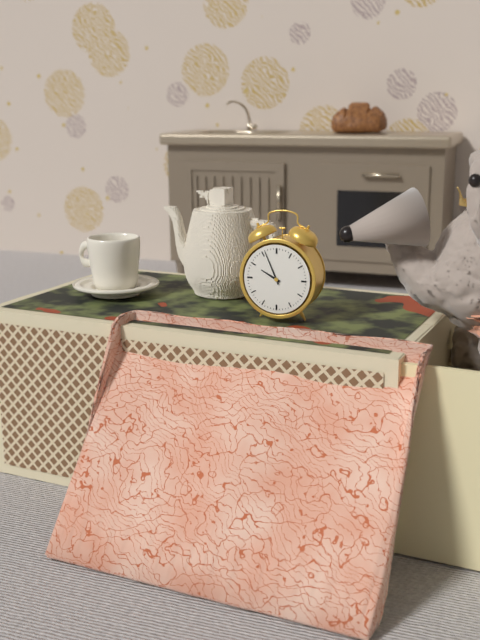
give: {"hour": 9, "minute": 56}
